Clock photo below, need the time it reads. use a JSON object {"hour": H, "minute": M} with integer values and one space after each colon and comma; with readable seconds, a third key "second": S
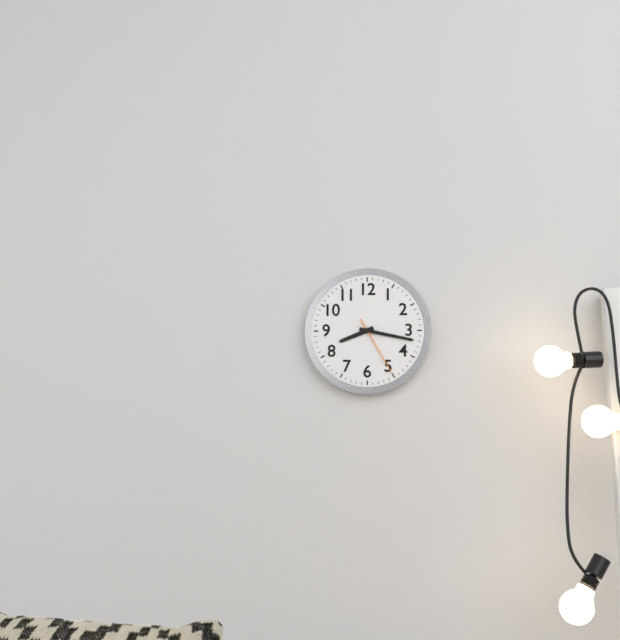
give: {"hour": 8, "minute": 17, "second": 25}
